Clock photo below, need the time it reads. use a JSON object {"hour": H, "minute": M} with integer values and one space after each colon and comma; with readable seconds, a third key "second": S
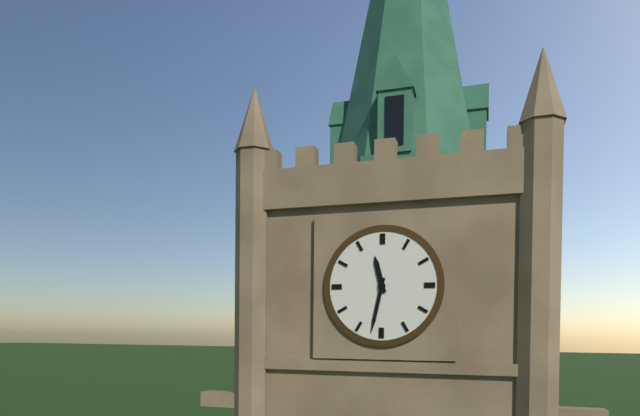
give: {"hour": 11, "minute": 32}
